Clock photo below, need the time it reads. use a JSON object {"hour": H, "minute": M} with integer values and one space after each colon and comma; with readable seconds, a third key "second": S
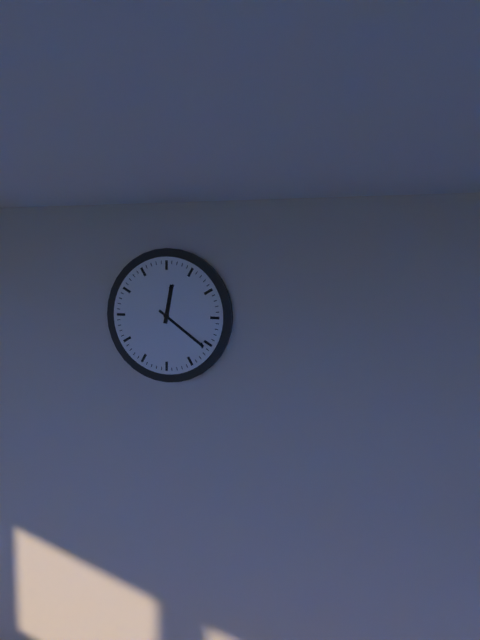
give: {"hour": 12, "minute": 21}
